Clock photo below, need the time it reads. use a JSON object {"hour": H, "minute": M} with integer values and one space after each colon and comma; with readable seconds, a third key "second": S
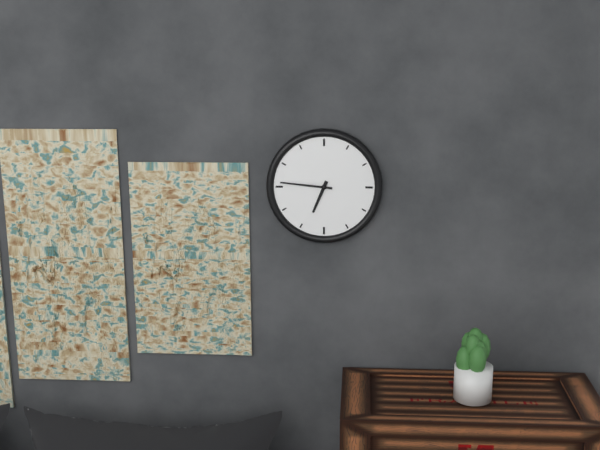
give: {"hour": 6, "minute": 46}
